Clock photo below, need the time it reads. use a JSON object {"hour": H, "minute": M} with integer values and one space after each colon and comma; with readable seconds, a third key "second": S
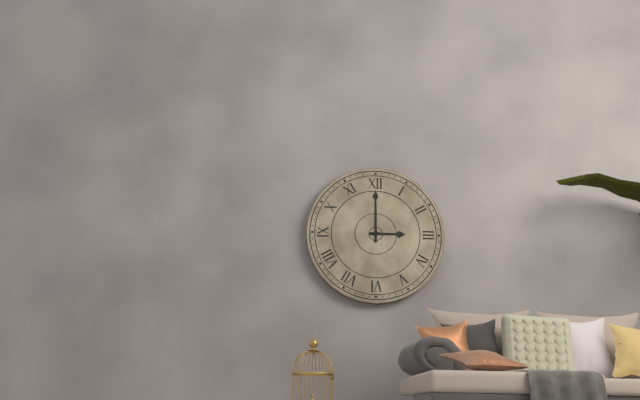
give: {"hour": 3, "minute": 0}
